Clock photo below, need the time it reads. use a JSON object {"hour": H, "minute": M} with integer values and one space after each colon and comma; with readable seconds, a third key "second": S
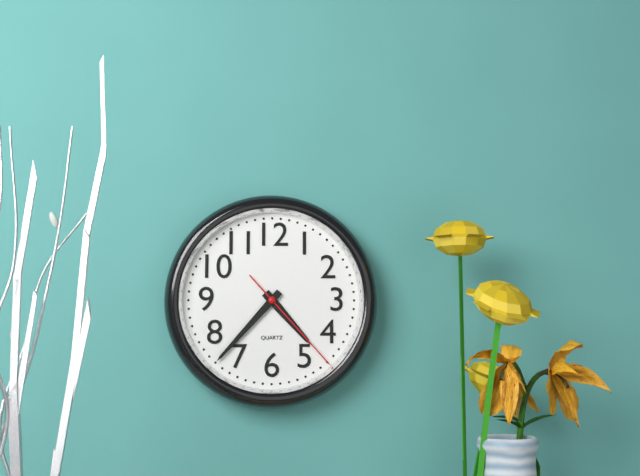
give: {"hour": 4, "minute": 37, "second": 23}
